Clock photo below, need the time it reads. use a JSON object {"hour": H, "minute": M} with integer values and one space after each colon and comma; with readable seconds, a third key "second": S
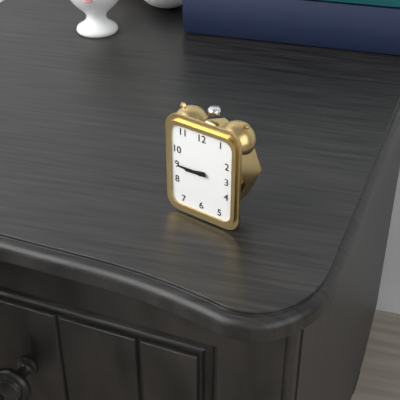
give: {"hour": 8, "minute": 45}
